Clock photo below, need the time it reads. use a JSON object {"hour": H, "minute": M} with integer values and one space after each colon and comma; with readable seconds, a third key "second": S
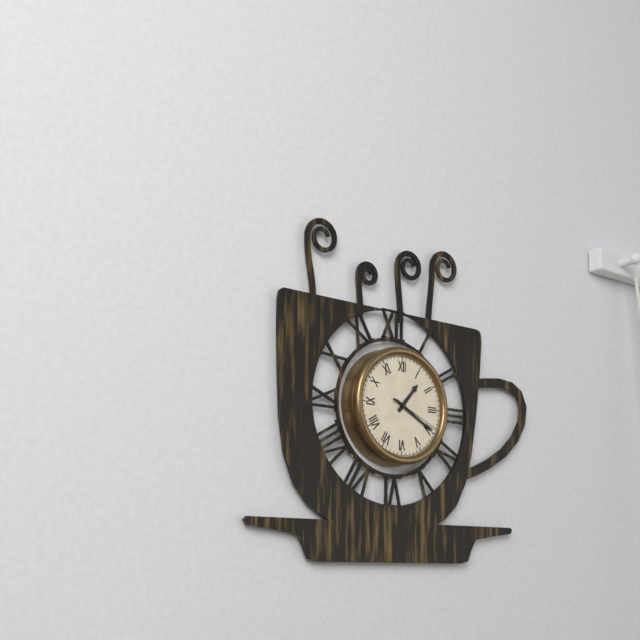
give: {"hour": 1, "minute": 20, "second": 19}
